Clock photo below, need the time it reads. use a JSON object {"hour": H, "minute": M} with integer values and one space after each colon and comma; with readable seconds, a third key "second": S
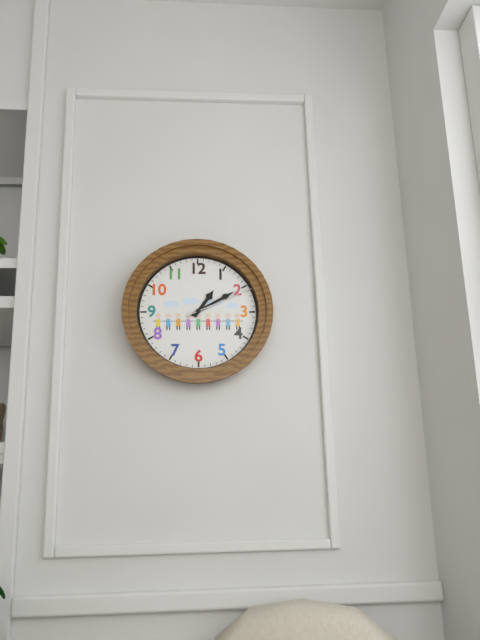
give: {"hour": 1, "minute": 10, "second": 11}
